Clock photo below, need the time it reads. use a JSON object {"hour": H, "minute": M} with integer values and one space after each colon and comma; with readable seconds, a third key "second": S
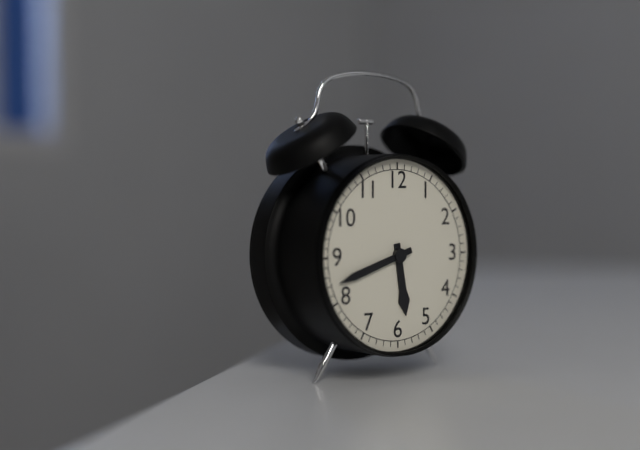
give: {"hour": 5, "minute": 42}
